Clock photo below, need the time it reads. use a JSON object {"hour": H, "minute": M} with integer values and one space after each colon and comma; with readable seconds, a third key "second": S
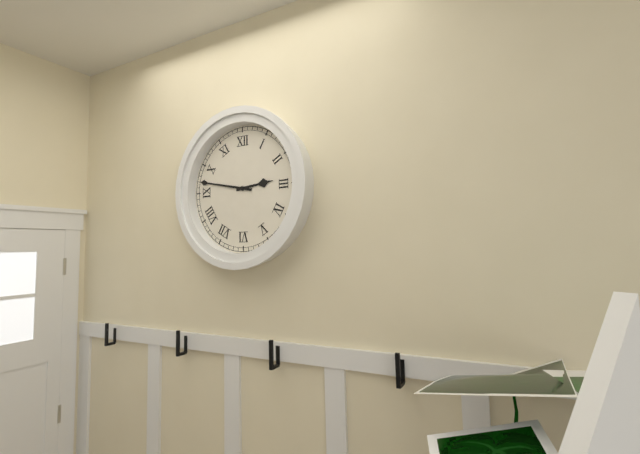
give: {"hour": 2, "minute": 47}
